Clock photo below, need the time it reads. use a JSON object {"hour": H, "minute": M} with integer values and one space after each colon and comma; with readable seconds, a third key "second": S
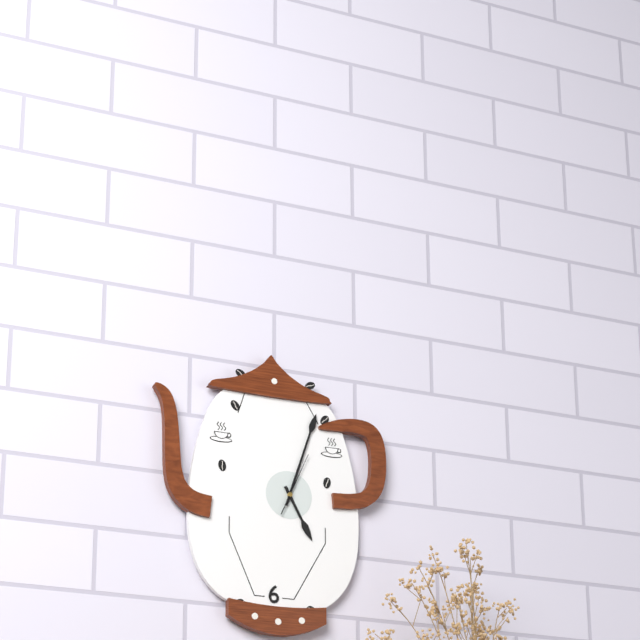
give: {"hour": 5, "minute": 3, "second": 4}
